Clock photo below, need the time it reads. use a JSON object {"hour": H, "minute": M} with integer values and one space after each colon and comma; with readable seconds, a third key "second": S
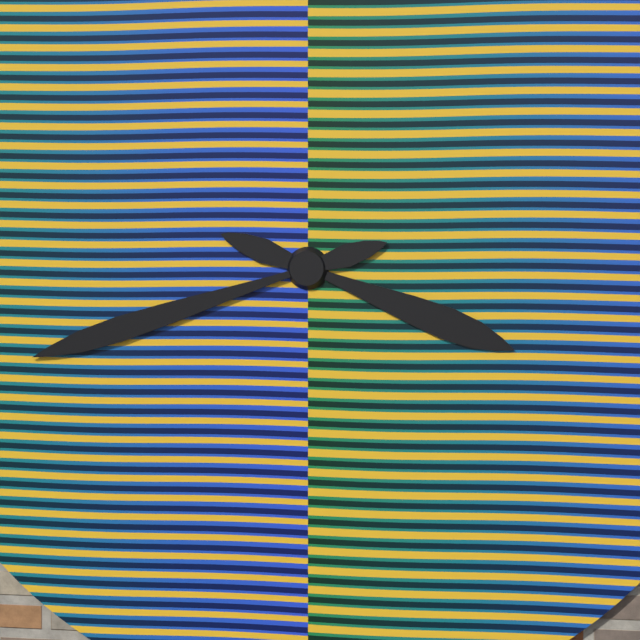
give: {"hour": 3, "minute": 42}
